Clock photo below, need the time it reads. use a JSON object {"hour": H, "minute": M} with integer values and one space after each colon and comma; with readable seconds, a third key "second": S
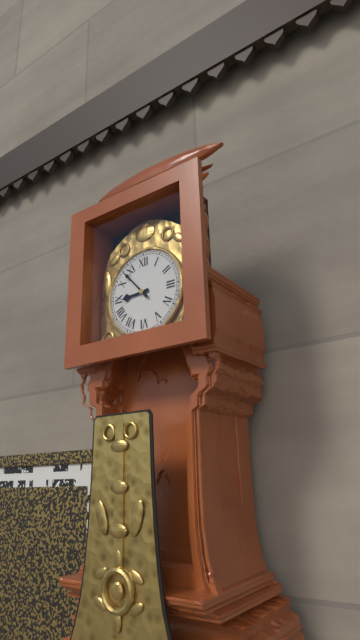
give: {"hour": 8, "minute": 53}
